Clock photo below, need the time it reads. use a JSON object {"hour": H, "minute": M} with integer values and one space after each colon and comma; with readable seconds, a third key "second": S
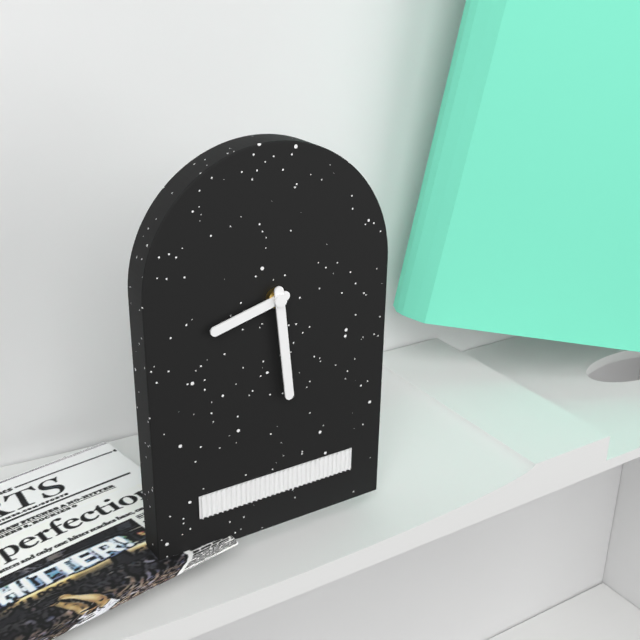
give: {"hour": 8, "minute": 29}
